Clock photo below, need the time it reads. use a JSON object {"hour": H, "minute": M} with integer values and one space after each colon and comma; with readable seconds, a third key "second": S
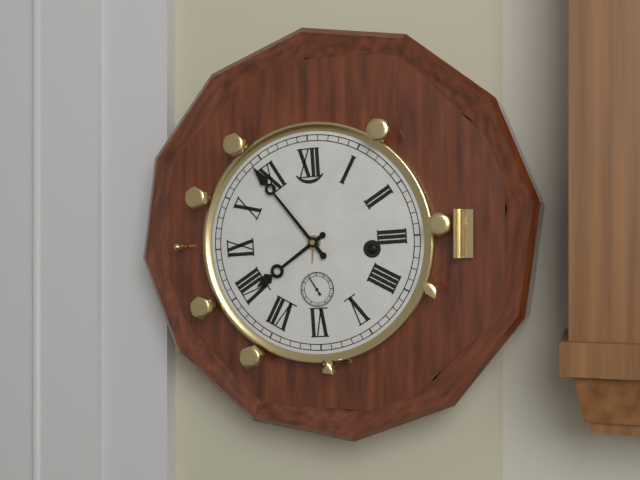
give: {"hour": 7, "minute": 54}
